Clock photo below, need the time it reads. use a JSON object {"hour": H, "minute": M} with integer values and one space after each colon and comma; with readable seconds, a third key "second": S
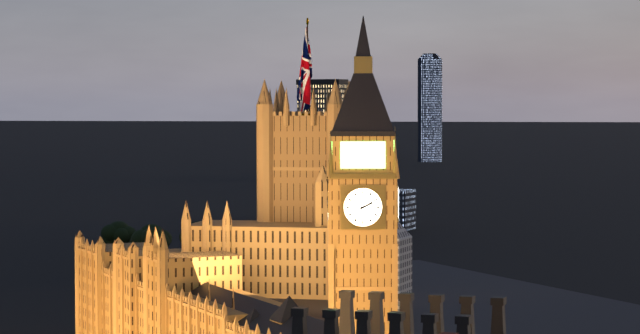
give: {"hour": 2, "minute": 10}
